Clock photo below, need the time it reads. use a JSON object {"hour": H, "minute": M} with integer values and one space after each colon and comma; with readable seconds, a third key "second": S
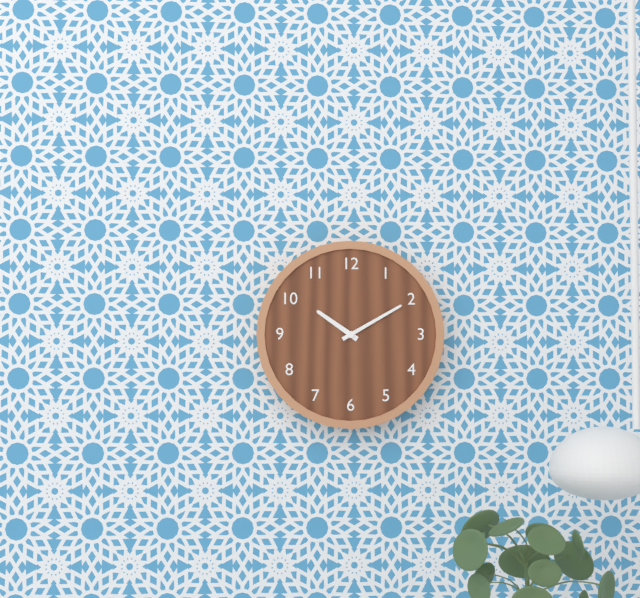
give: {"hour": 10, "minute": 10}
